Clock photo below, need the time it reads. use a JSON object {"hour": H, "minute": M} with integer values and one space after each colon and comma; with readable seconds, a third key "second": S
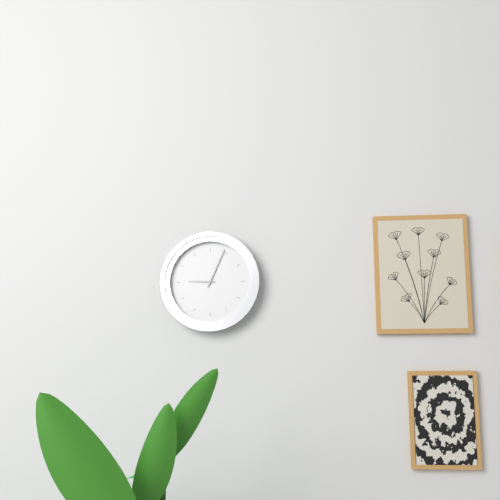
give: {"hour": 9, "minute": 4}
